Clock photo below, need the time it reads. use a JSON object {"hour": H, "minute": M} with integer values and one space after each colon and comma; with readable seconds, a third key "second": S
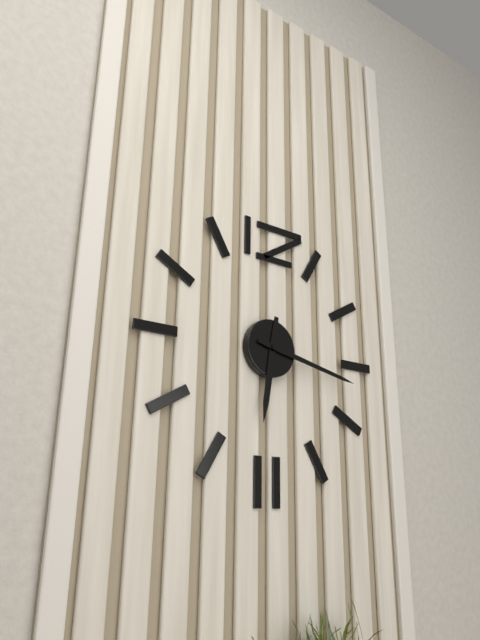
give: {"hour": 6, "minute": 17}
